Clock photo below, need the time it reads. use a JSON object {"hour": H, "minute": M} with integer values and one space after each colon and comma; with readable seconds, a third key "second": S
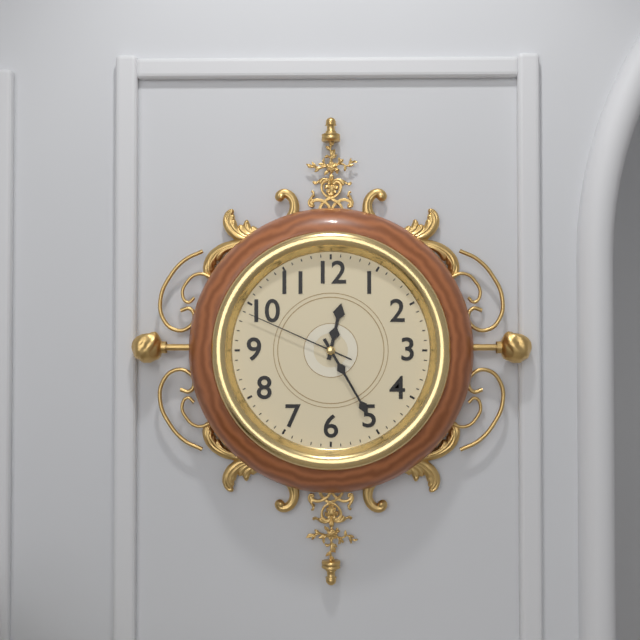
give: {"hour": 12, "minute": 25, "second": 49}
